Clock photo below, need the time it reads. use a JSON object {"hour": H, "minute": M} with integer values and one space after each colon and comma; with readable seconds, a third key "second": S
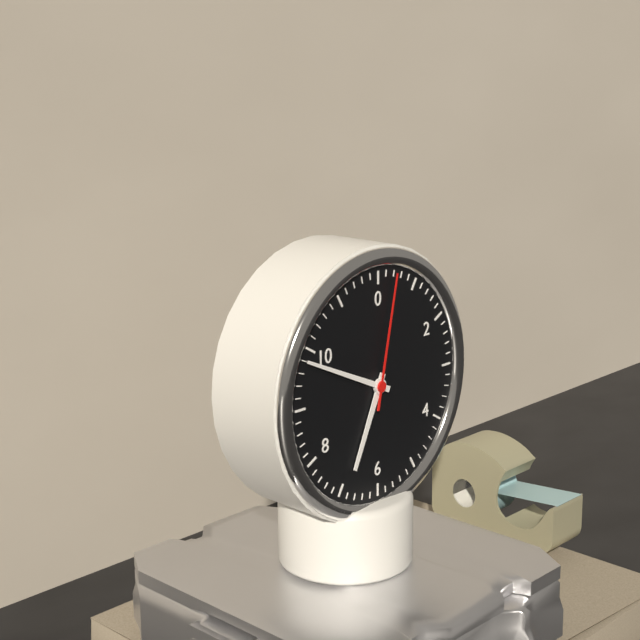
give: {"hour": 6, "minute": 49, "second": 2}
